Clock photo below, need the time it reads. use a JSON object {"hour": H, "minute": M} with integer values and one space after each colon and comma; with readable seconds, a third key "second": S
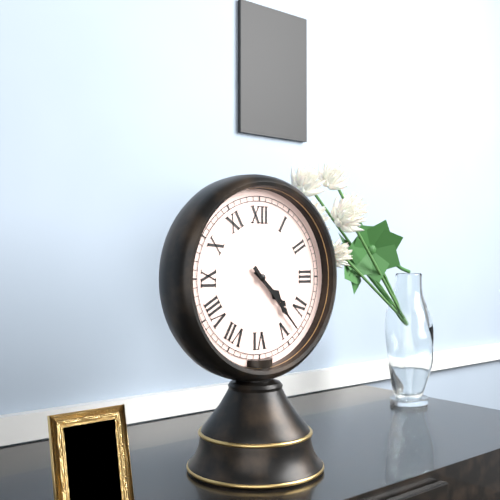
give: {"hour": 4, "minute": 23}
